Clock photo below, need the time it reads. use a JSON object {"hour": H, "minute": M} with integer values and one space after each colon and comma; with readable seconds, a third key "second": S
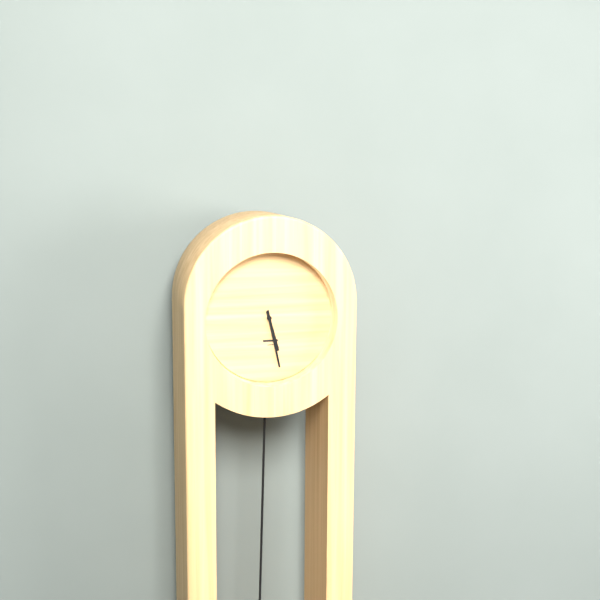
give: {"hour": 5, "minute": 28}
